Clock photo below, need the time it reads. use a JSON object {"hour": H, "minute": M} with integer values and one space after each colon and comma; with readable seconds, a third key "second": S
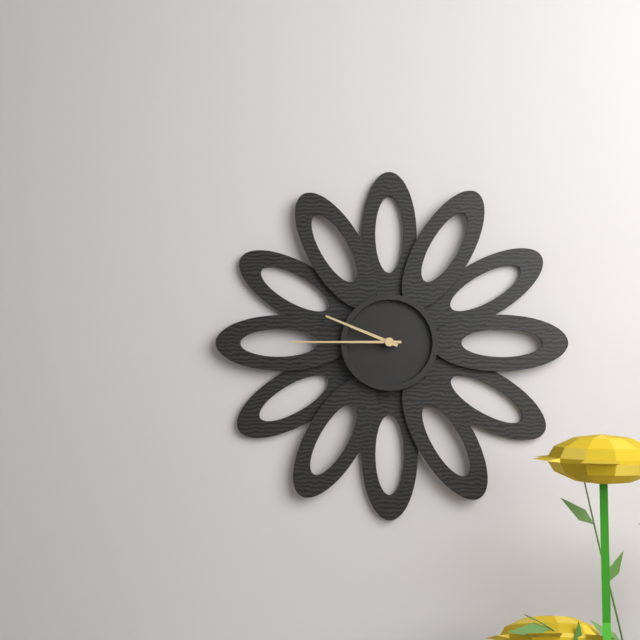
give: {"hour": 9, "minute": 45}
